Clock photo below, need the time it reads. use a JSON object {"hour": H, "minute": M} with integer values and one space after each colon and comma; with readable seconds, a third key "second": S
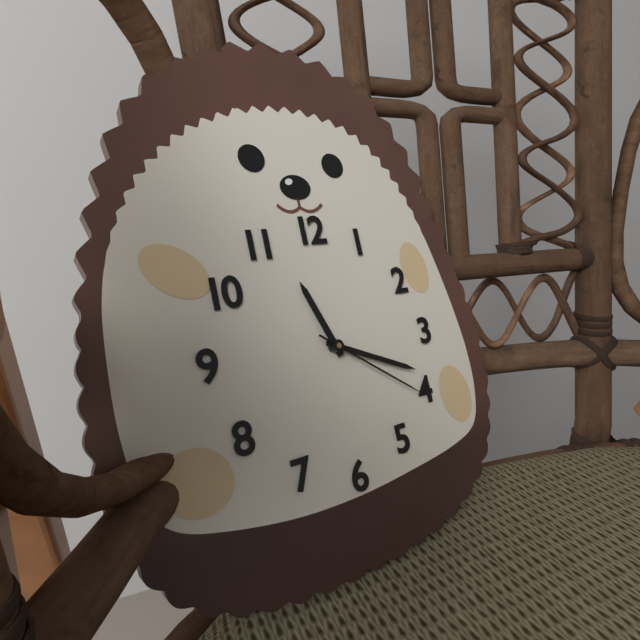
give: {"hour": 11, "minute": 19, "second": 21}
